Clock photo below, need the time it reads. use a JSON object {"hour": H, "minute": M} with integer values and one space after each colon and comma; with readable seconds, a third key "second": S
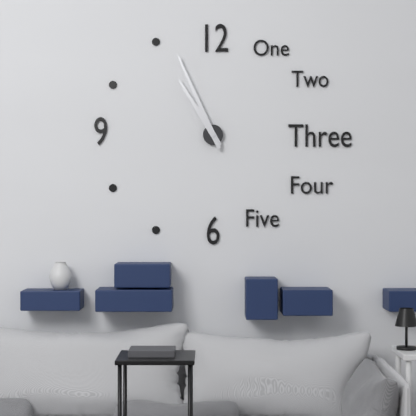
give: {"hour": 10, "minute": 56}
